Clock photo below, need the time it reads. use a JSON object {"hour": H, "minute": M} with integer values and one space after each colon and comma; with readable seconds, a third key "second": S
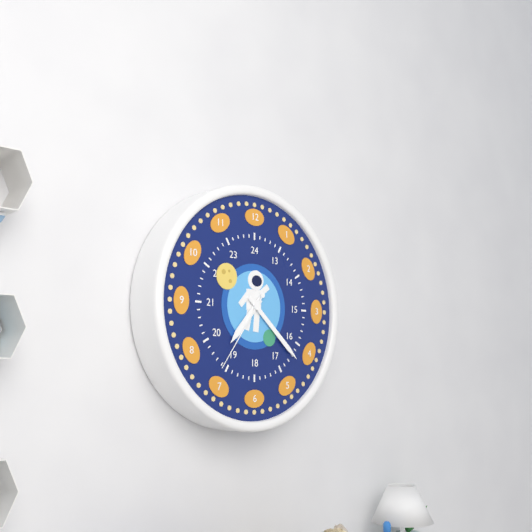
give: {"hour": 7, "minute": 22, "second": 36}
